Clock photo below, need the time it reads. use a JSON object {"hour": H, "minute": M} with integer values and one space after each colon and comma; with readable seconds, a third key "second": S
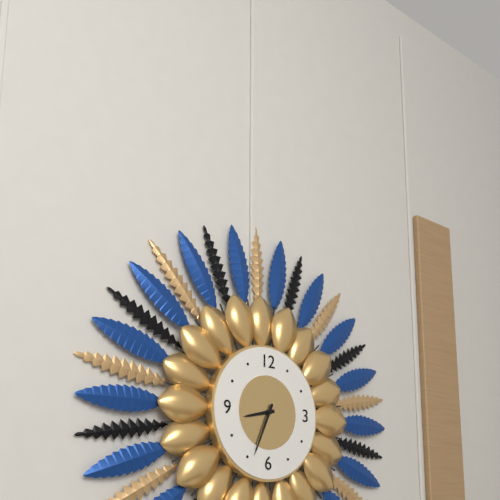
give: {"hour": 8, "minute": 34}
